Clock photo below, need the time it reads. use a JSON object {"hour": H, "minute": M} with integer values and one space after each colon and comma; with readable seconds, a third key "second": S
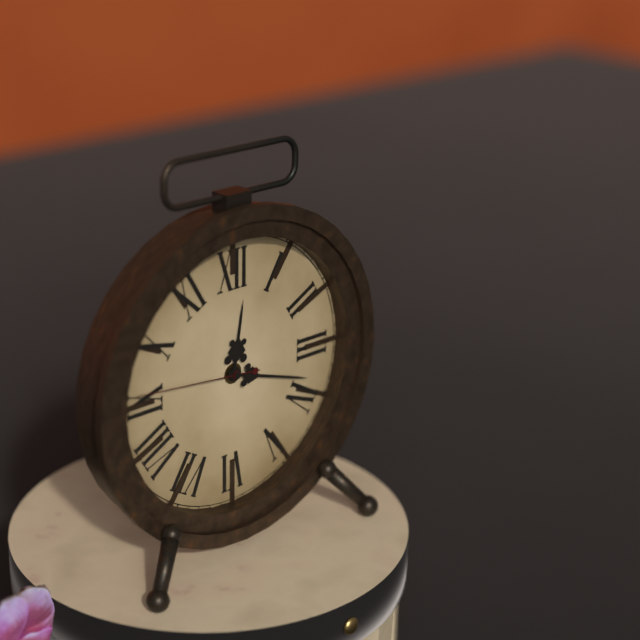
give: {"hour": 12, "minute": 18, "second": 46}
